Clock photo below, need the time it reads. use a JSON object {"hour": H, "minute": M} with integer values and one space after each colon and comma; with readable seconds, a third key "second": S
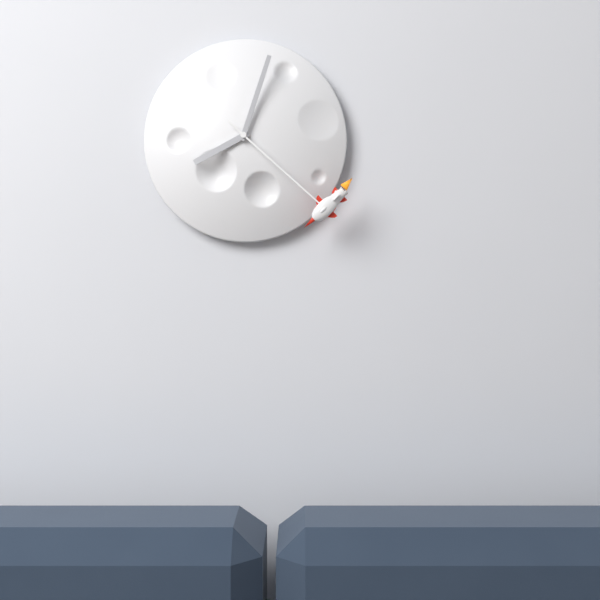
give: {"hour": 8, "minute": 3, "second": 22}
